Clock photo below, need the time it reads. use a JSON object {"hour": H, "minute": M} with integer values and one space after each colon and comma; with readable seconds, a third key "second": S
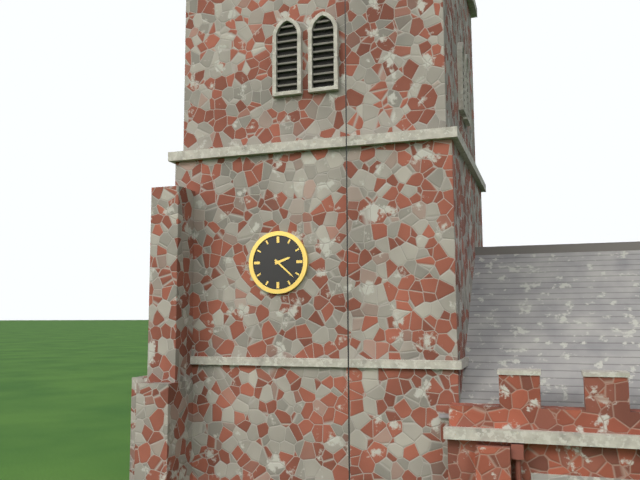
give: {"hour": 2, "minute": 22}
